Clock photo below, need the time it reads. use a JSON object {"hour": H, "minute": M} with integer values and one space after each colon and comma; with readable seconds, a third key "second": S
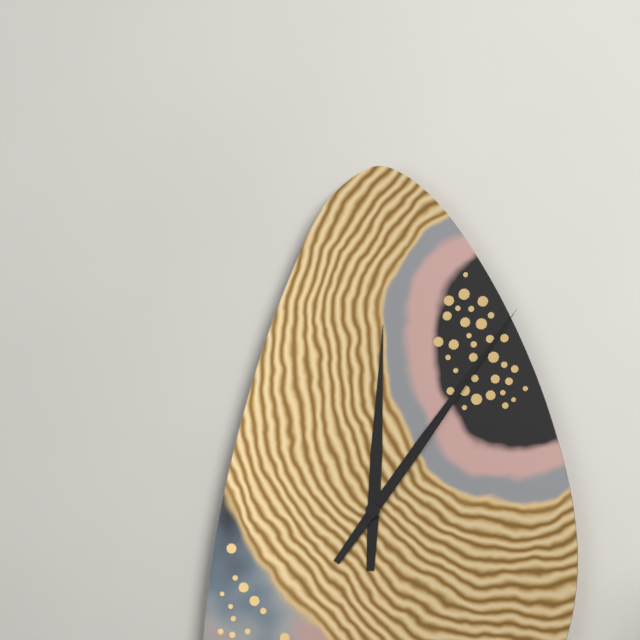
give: {"hour": 12, "minute": 6}
